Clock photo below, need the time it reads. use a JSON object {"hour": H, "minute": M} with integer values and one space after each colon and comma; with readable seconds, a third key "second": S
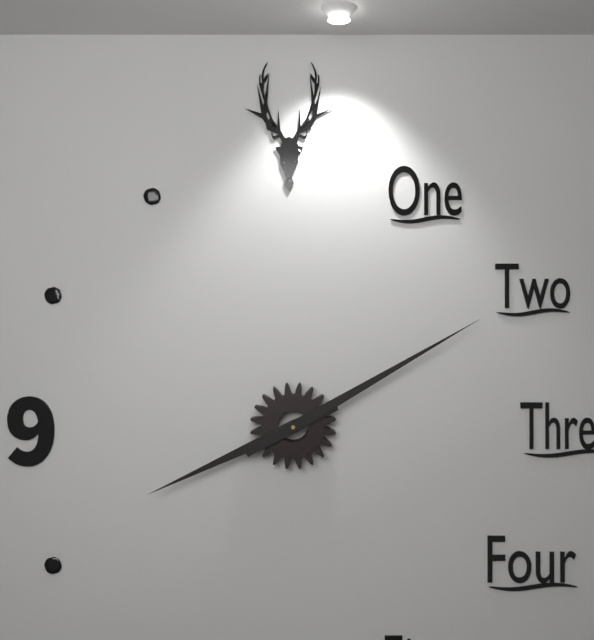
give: {"hour": 8, "minute": 10}
